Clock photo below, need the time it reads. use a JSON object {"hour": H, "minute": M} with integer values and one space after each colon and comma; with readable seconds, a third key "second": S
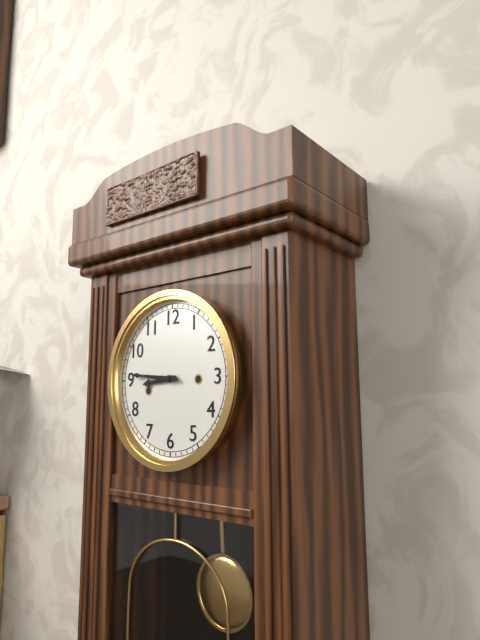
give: {"hour": 8, "minute": 46}
